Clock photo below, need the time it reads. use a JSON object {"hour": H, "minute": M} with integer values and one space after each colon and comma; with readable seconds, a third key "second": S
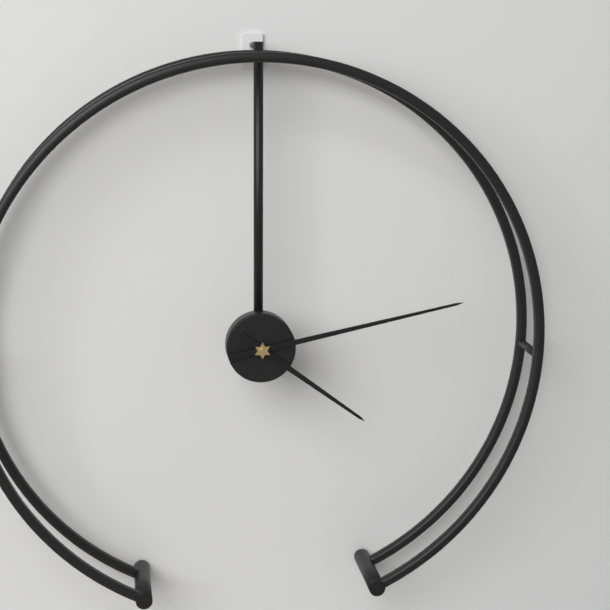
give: {"hour": 4, "minute": 13}
